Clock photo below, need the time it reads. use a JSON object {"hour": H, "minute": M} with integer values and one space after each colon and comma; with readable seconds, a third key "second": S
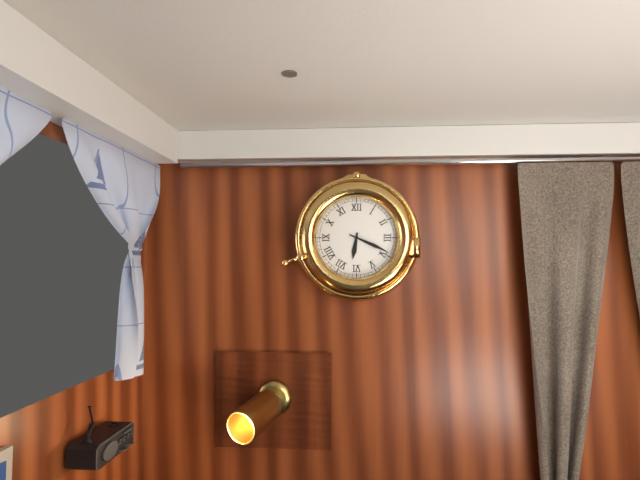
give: {"hour": 6, "minute": 19}
